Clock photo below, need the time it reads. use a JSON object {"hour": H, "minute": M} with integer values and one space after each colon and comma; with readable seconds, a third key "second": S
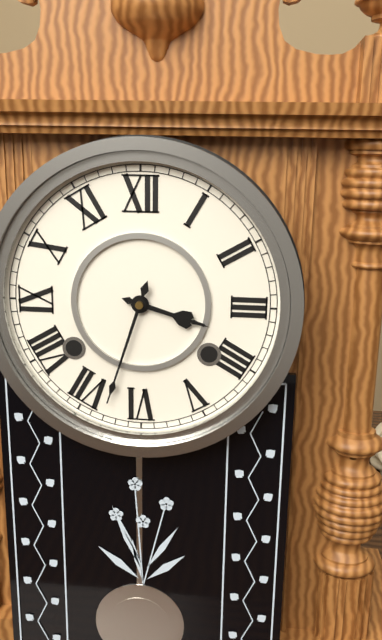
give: {"hour": 3, "minute": 33}
